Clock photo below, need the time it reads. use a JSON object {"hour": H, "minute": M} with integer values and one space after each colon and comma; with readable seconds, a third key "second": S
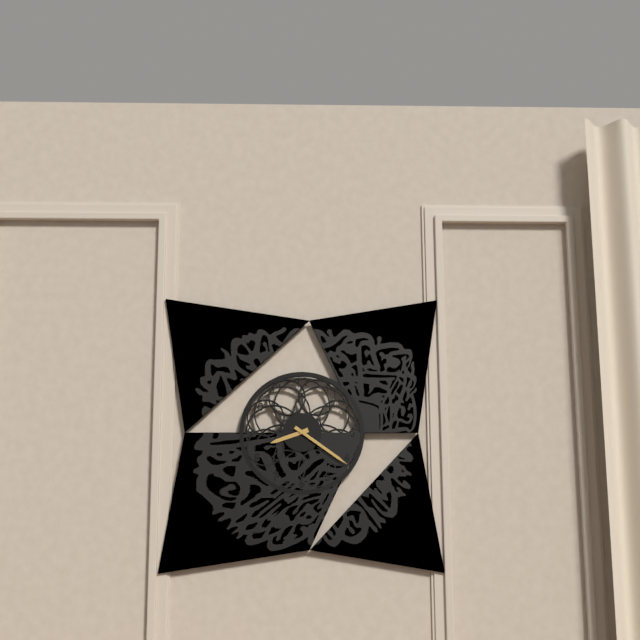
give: {"hour": 8, "minute": 21}
